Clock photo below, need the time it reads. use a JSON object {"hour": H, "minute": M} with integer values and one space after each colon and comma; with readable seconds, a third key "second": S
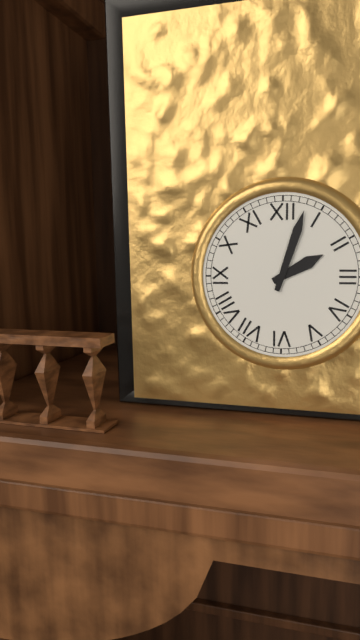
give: {"hour": 2, "minute": 3}
